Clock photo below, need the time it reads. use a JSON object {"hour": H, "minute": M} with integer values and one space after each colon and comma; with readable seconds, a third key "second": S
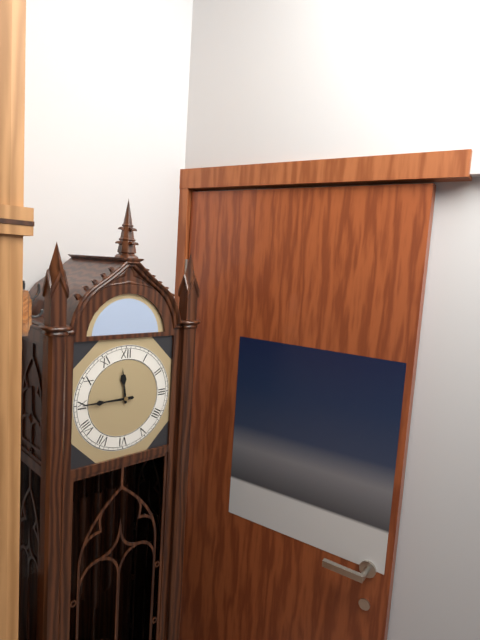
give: {"hour": 11, "minute": 45}
